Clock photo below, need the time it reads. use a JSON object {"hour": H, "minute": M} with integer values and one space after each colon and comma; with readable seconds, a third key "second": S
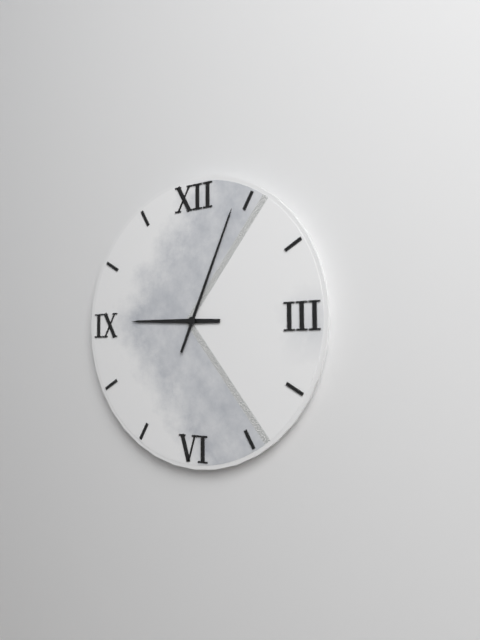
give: {"hour": 9, "minute": 4}
